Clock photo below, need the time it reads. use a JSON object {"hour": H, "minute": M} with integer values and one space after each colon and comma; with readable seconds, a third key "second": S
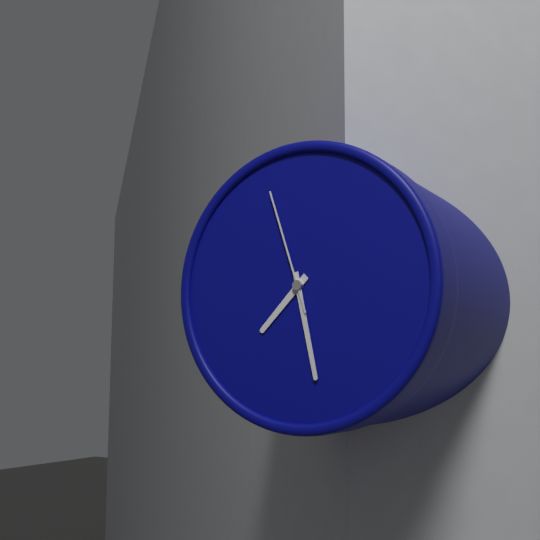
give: {"hour": 7, "minute": 28, "second": 57}
